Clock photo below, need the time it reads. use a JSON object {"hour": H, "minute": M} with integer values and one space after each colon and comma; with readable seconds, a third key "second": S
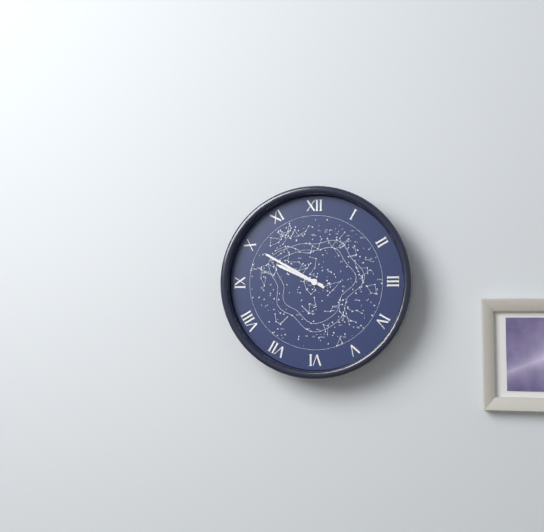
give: {"hour": 9, "minute": 50}
